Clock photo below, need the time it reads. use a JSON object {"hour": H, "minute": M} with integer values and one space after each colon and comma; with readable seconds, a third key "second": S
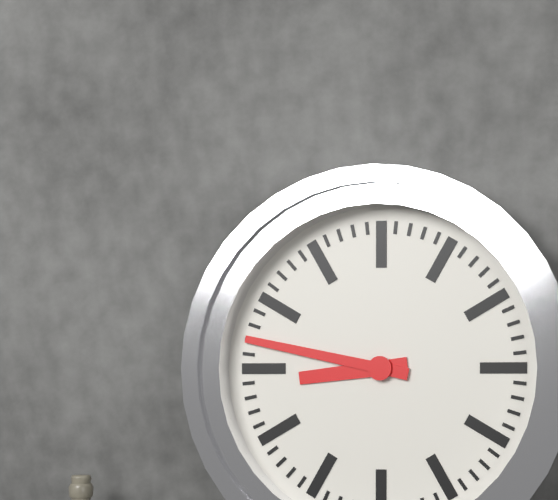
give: {"hour": 8, "minute": 47}
